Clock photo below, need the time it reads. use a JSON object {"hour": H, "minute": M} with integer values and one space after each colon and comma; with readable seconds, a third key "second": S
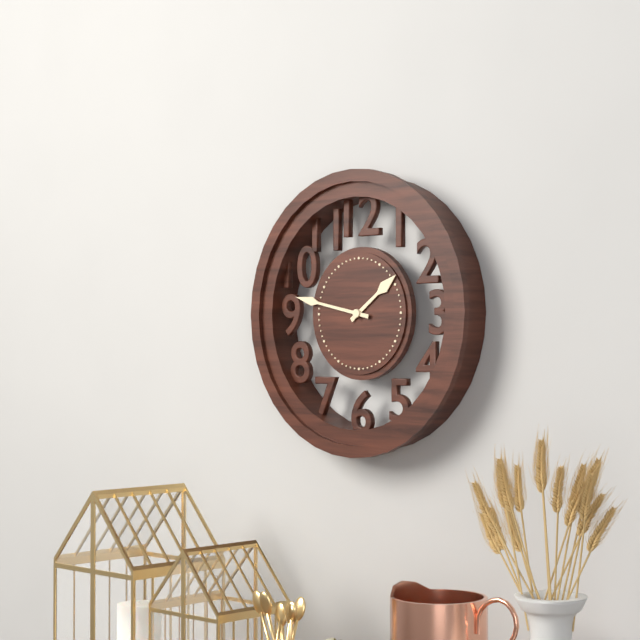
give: {"hour": 1, "minute": 47}
